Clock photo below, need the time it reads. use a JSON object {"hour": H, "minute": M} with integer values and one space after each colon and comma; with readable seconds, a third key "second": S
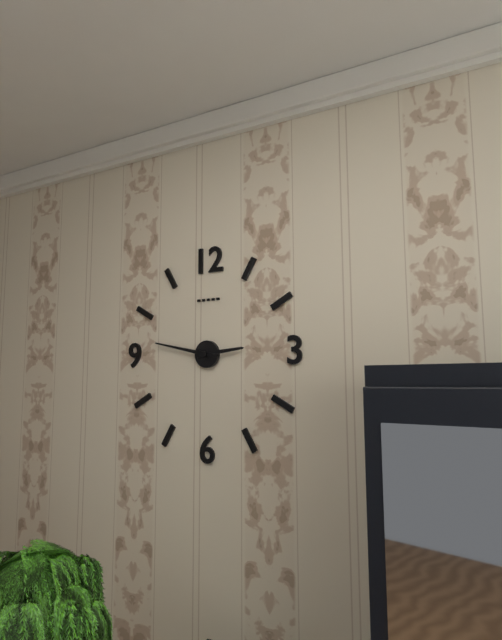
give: {"hour": 2, "minute": 47}
